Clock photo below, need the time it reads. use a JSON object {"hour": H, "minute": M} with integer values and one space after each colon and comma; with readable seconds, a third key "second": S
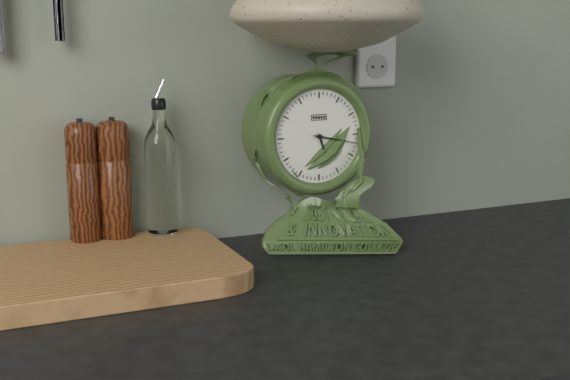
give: {"hour": 5, "minute": 17}
